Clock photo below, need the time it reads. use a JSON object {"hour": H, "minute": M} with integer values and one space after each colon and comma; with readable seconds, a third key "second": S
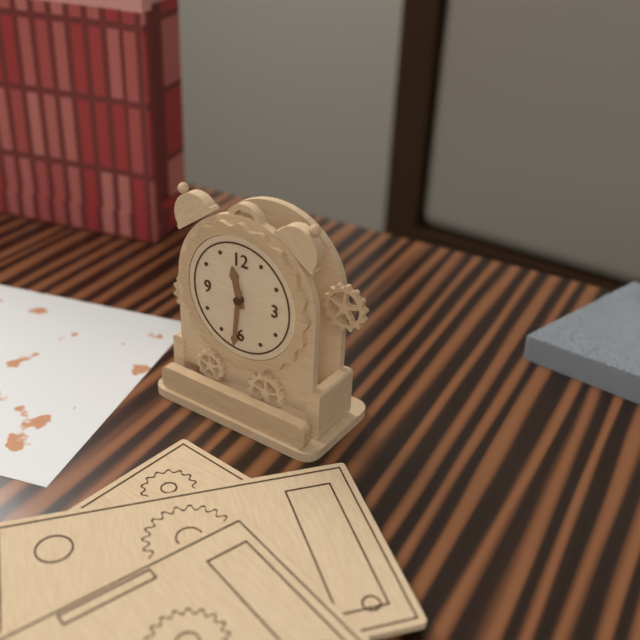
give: {"hour": 11, "minute": 31}
